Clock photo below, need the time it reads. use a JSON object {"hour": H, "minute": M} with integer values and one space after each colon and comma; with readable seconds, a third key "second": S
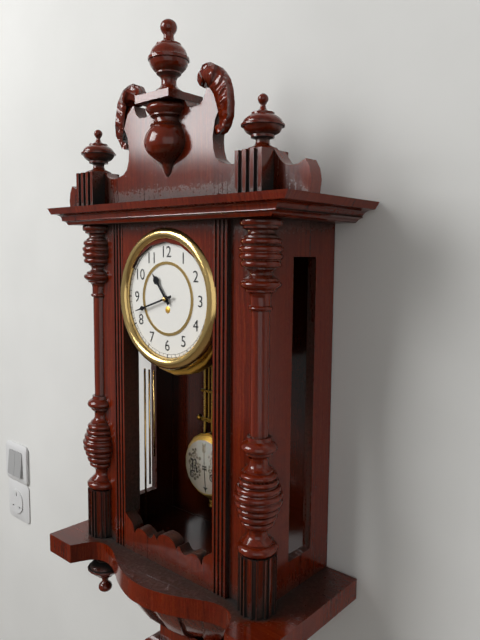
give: {"hour": 10, "minute": 42}
